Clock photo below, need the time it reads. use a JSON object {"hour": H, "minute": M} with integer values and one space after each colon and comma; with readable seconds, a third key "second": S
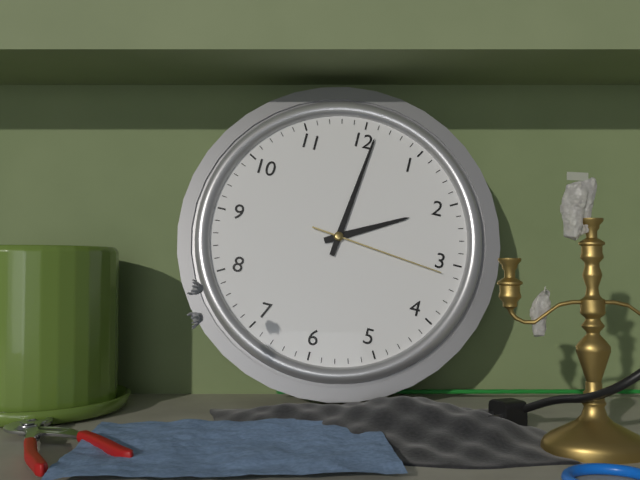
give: {"hour": 2, "minute": 1, "second": 16}
